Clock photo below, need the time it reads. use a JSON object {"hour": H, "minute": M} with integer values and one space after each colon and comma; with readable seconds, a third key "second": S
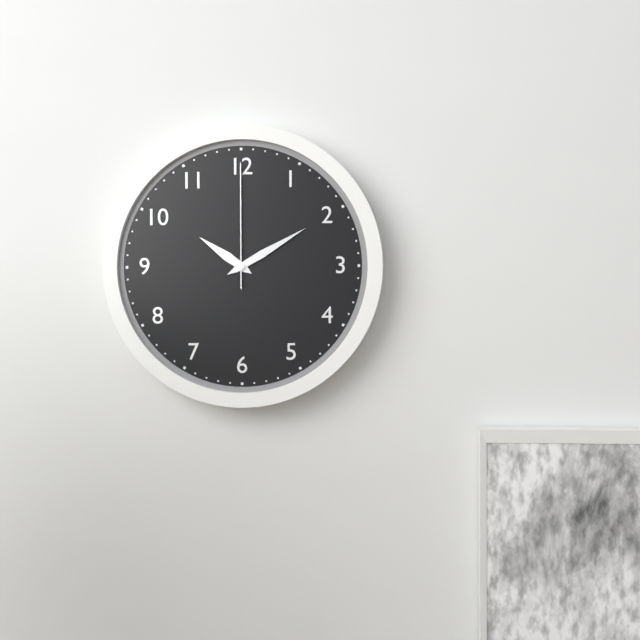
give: {"hour": 10, "minute": 10, "second": 0}
